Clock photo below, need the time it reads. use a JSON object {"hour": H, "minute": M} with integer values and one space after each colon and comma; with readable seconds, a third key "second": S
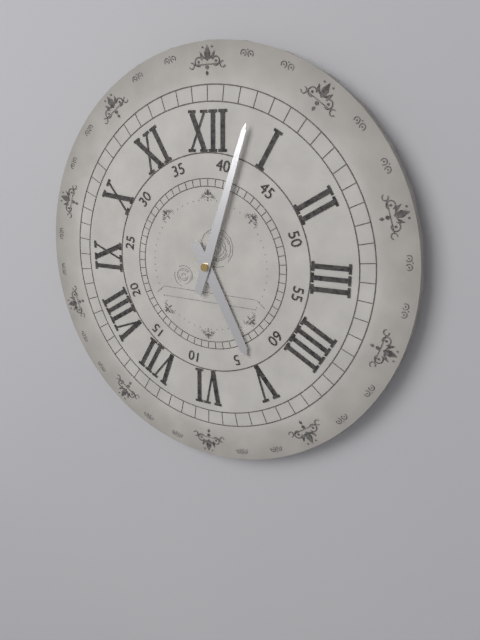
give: {"hour": 5, "minute": 3}
